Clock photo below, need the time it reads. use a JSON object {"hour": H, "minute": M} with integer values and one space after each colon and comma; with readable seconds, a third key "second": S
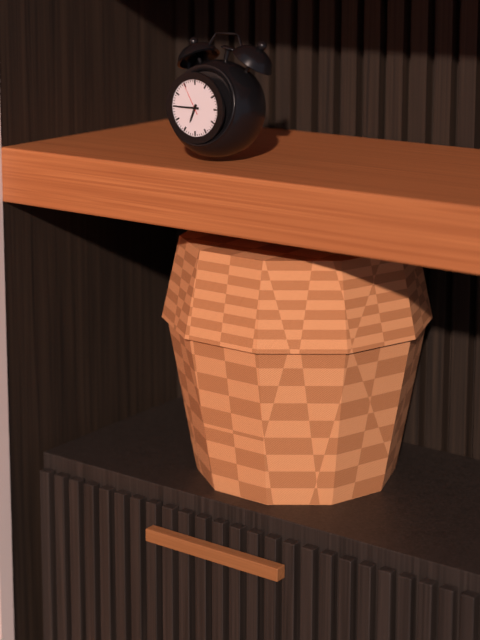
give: {"hour": 6, "minute": 45, "second": 55}
